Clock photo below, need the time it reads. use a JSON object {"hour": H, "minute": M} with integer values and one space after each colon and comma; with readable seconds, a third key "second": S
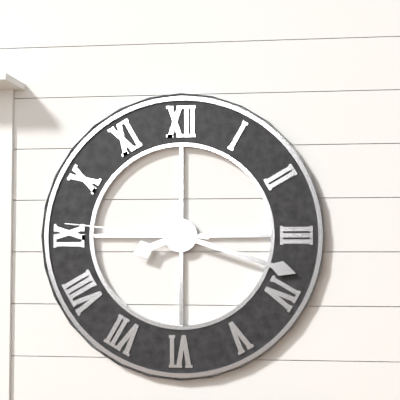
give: {"hour": 8, "minute": 18, "second": 46}
